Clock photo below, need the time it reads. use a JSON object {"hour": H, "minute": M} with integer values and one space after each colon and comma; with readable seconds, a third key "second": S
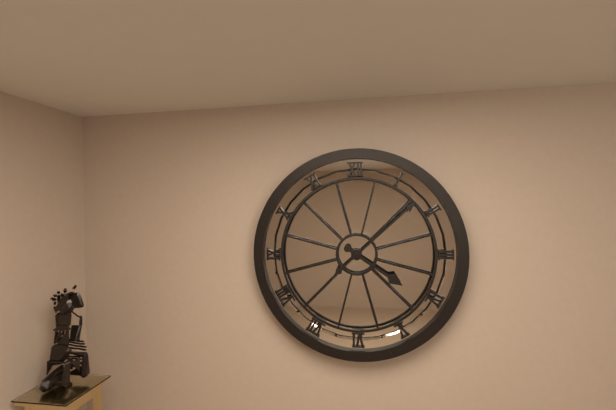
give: {"hour": 4, "minute": 8}
